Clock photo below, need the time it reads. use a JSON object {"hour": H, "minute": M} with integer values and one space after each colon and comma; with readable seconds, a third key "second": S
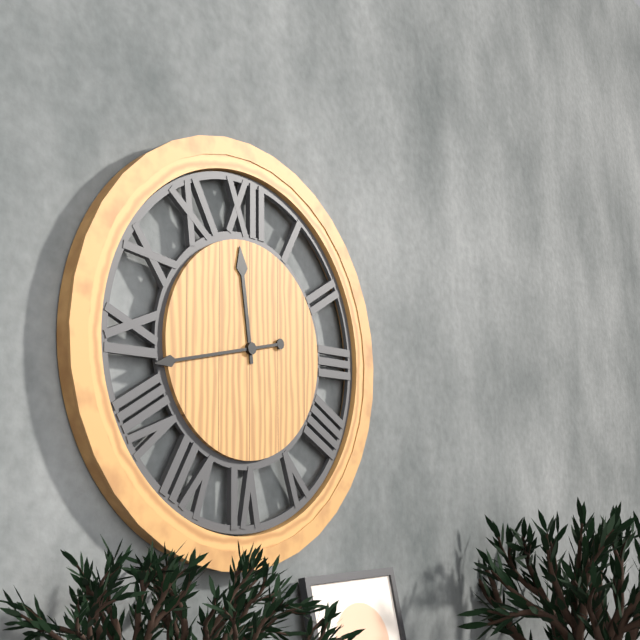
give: {"hour": 11, "minute": 43}
